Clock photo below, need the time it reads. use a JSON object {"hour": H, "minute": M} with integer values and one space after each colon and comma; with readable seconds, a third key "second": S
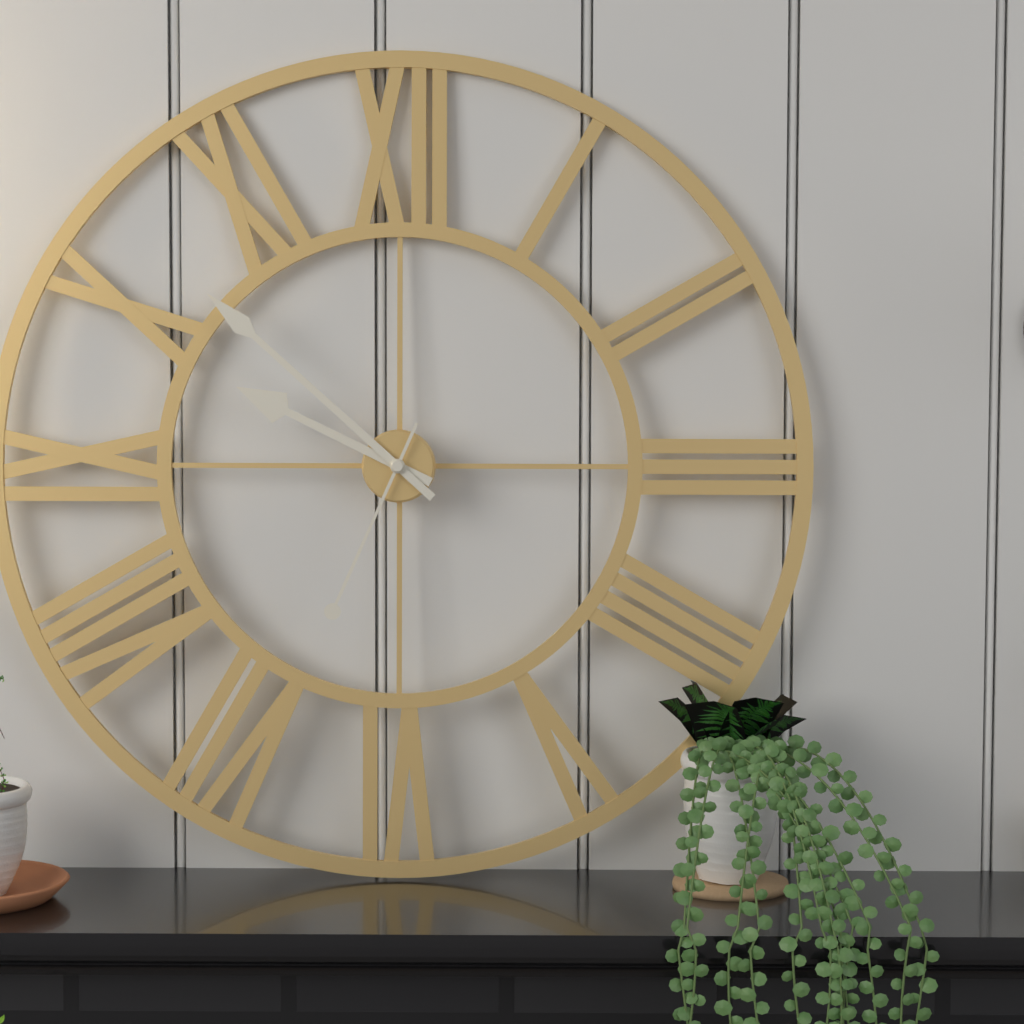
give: {"hour": 9, "minute": 52, "second": 34}
